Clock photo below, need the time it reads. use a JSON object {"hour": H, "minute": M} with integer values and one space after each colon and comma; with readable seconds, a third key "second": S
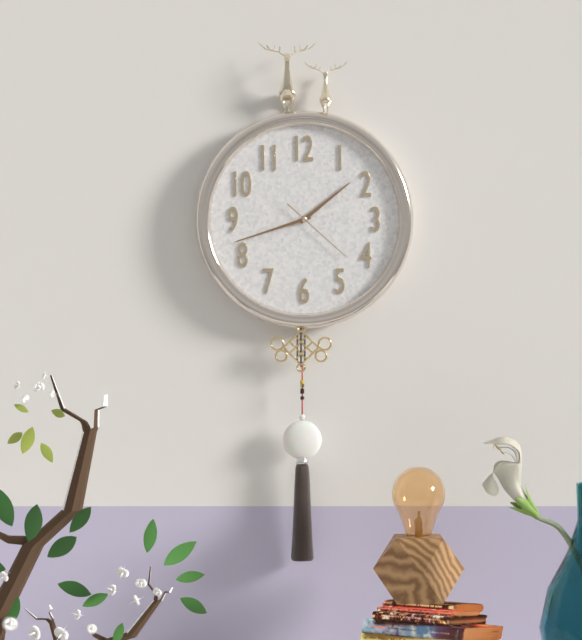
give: {"hour": 1, "minute": 42, "second": 22}
